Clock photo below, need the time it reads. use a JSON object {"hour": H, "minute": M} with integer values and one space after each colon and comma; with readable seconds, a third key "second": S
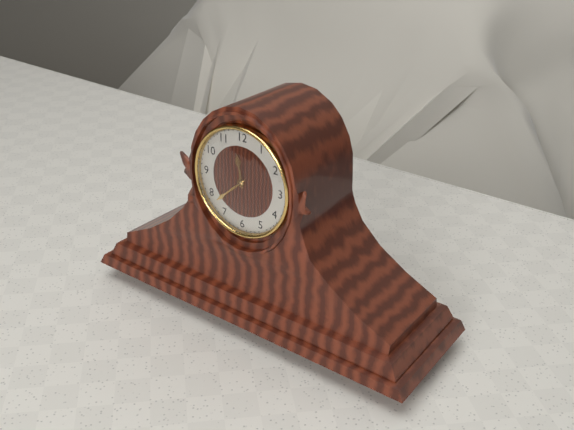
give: {"hour": 11, "minute": 38}
